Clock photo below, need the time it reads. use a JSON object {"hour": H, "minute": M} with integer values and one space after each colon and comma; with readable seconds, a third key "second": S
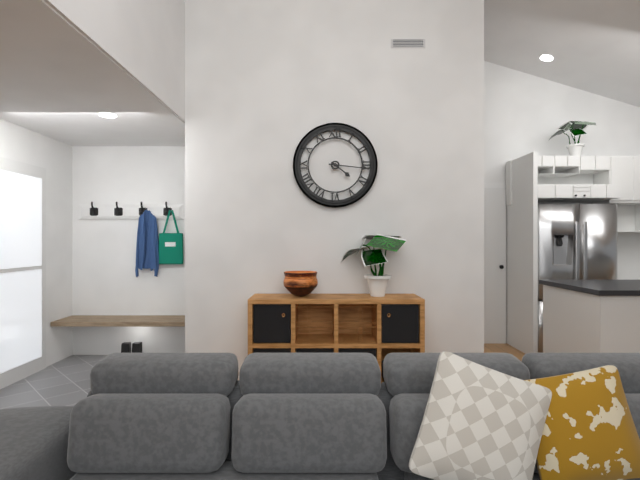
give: {"hour": 4, "minute": 16}
